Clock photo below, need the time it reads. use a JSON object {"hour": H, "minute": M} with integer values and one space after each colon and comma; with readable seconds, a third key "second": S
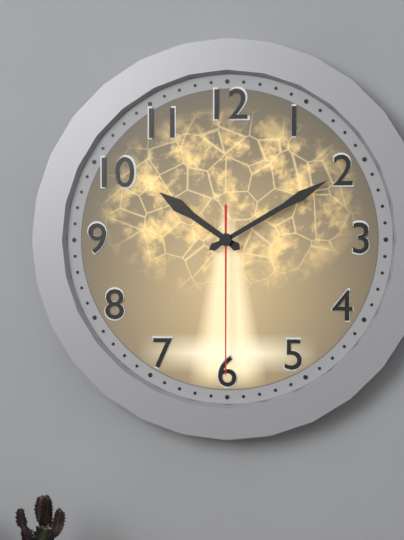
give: {"hour": 10, "minute": 10, "second": 30}
